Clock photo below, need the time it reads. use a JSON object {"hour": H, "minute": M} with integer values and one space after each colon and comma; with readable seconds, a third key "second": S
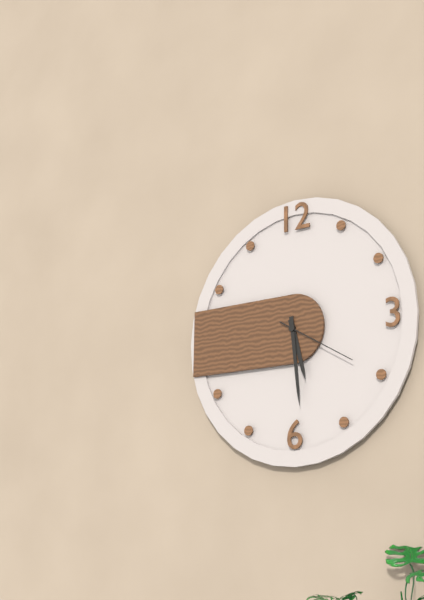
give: {"hour": 5, "minute": 29, "second": 20}
